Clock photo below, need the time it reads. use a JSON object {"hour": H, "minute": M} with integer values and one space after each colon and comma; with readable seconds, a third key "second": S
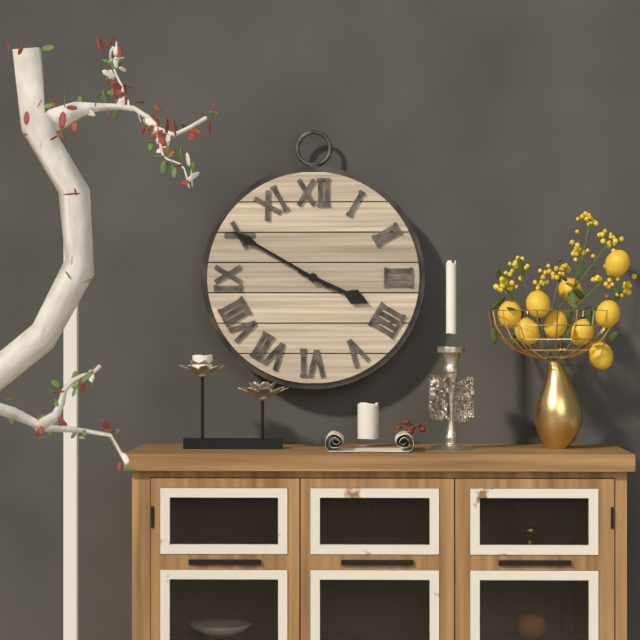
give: {"hour": 3, "minute": 50}
